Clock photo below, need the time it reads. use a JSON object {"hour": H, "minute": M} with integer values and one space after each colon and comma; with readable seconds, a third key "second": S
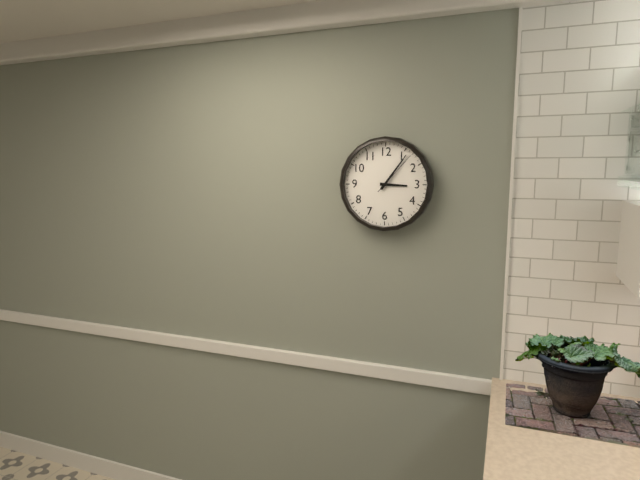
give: {"hour": 3, "minute": 6}
